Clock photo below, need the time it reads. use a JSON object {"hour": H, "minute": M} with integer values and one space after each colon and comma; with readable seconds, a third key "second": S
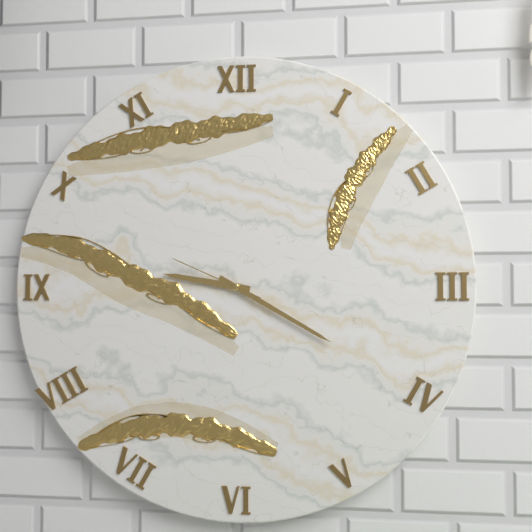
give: {"hour": 9, "minute": 20, "second": 49}
